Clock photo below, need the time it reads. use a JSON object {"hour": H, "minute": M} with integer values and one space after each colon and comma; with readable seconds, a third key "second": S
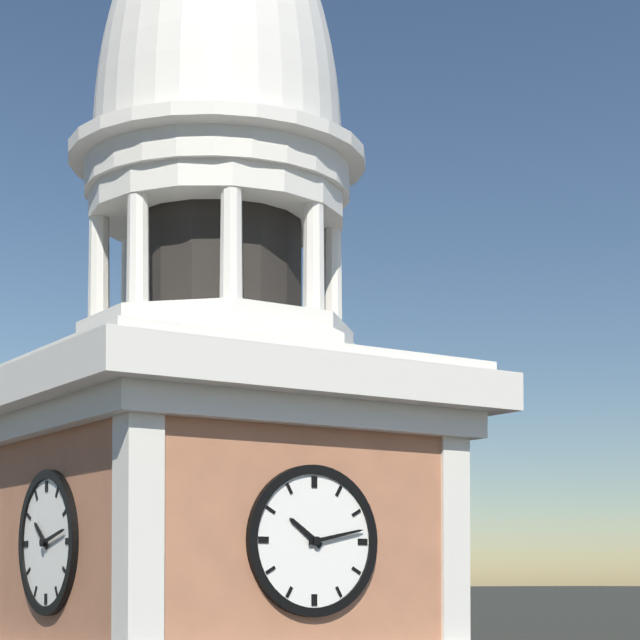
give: {"hour": 10, "minute": 13}
